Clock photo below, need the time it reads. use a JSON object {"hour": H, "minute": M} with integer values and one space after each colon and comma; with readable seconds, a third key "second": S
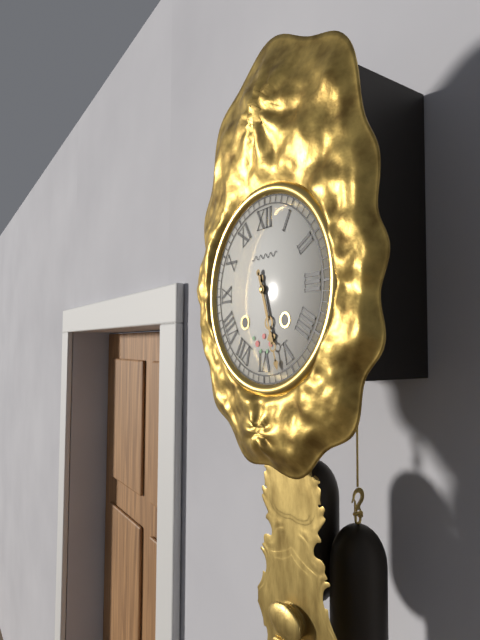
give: {"hour": 5, "minute": 27}
